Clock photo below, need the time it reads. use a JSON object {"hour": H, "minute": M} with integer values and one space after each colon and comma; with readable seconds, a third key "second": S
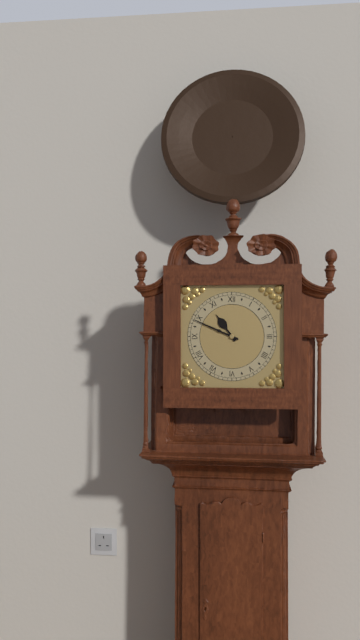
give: {"hour": 10, "minute": 49}
